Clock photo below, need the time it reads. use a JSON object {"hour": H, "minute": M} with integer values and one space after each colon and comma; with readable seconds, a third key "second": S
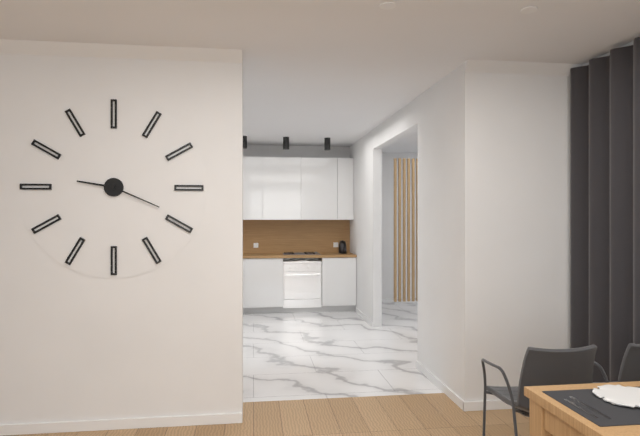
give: {"hour": 9, "minute": 19}
